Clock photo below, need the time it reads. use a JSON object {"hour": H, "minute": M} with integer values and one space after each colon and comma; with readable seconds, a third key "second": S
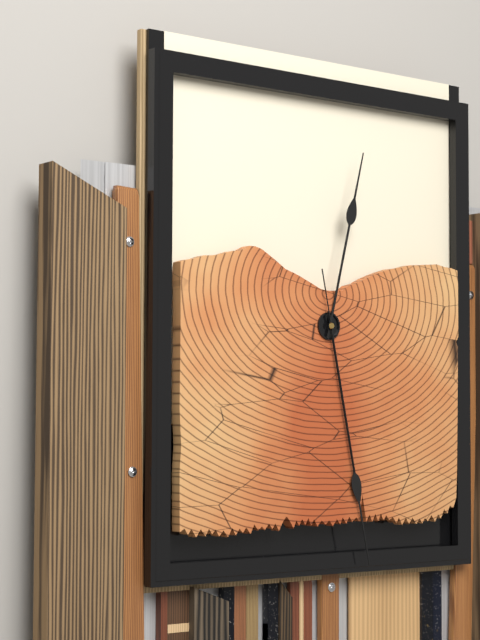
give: {"hour": 12, "minute": 28, "second": 28}
